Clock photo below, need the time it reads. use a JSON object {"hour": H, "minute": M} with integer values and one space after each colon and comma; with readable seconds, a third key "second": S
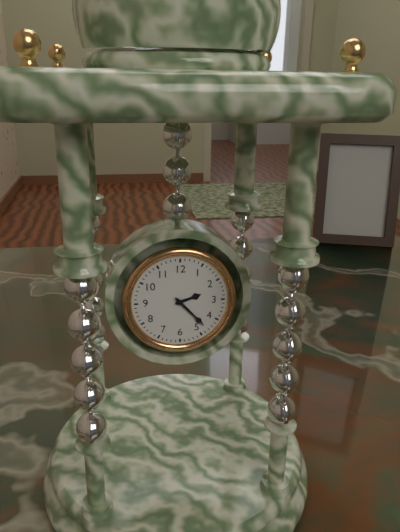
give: {"hour": 2, "minute": 23}
